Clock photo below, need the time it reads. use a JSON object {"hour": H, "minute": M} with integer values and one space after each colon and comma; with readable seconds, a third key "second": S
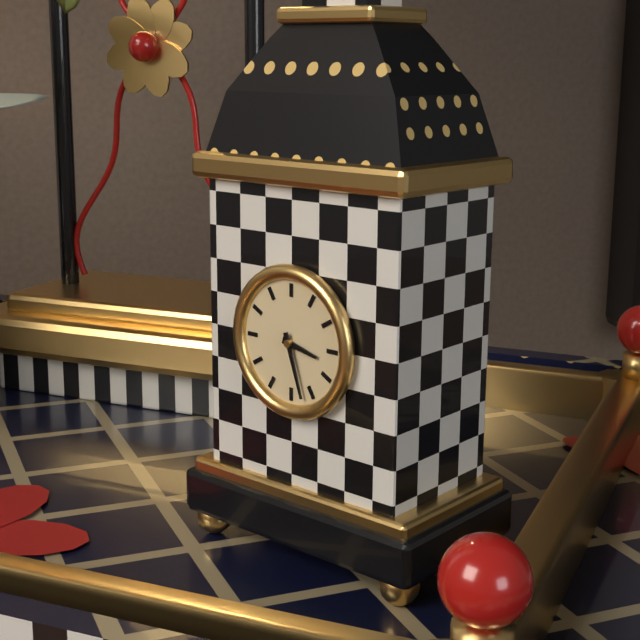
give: {"hour": 3, "minute": 27}
